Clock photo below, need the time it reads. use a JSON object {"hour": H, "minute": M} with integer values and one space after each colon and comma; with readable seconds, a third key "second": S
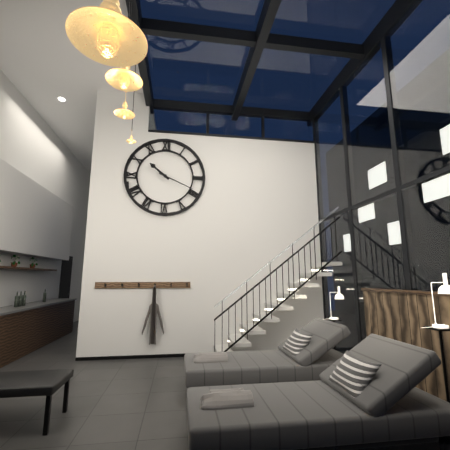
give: {"hour": 10, "minute": 19}
